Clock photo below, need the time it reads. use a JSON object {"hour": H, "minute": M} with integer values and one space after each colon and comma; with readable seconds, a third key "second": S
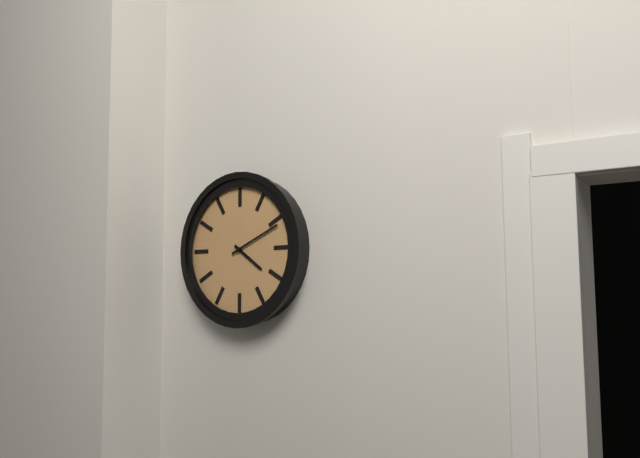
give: {"hour": 4, "minute": 11}
